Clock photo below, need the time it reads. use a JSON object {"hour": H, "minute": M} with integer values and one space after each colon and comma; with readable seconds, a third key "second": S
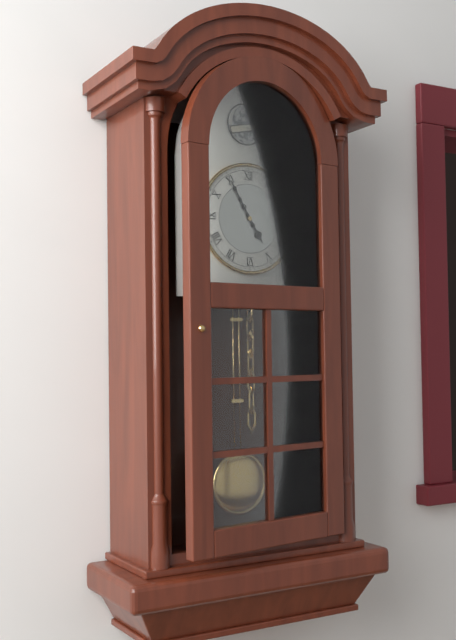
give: {"hour": 4, "minute": 55}
